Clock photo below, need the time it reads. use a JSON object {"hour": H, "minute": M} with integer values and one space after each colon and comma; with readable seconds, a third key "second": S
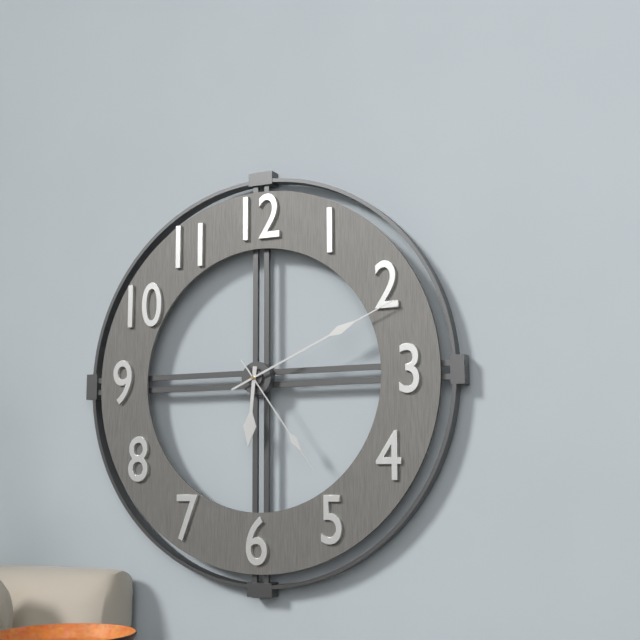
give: {"hour": 6, "minute": 11, "second": 24}
